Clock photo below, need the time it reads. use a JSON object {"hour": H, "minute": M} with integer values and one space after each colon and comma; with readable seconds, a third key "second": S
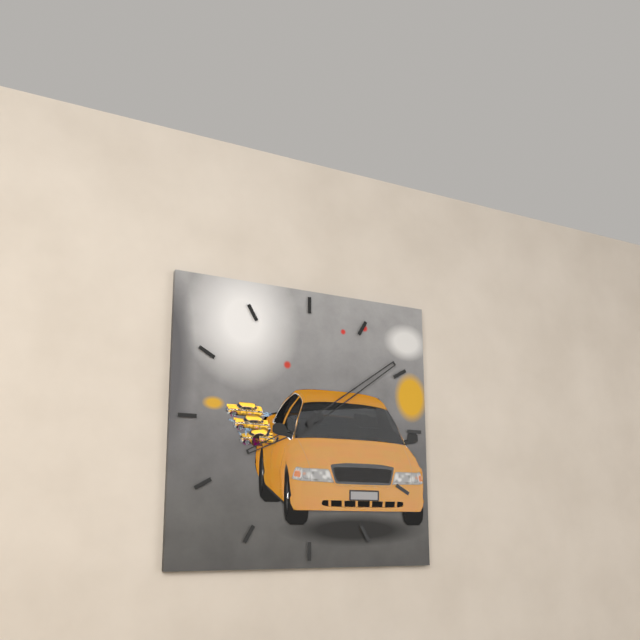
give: {"hour": 8, "minute": 9}
